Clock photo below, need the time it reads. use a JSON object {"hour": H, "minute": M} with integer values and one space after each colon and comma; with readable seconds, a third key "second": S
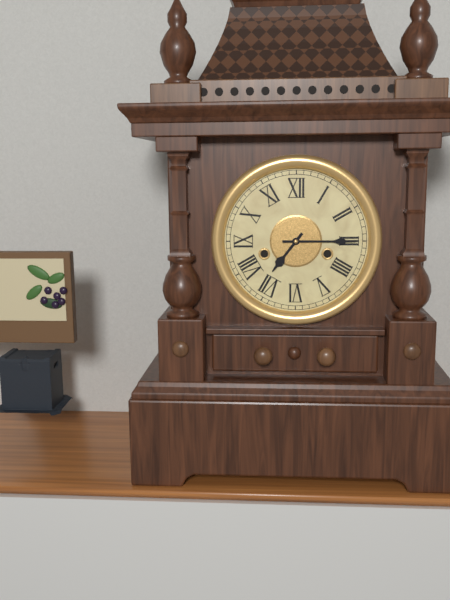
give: {"hour": 7, "minute": 15}
